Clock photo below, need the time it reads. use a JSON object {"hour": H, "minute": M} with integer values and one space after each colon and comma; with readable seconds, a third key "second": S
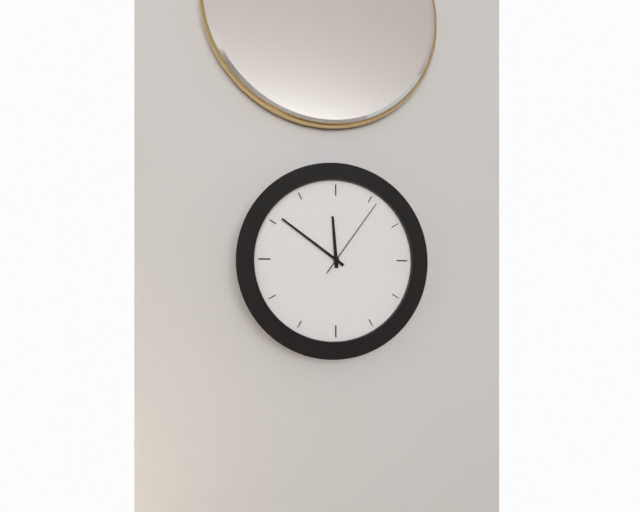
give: {"hour": 11, "minute": 51, "second": 6}
